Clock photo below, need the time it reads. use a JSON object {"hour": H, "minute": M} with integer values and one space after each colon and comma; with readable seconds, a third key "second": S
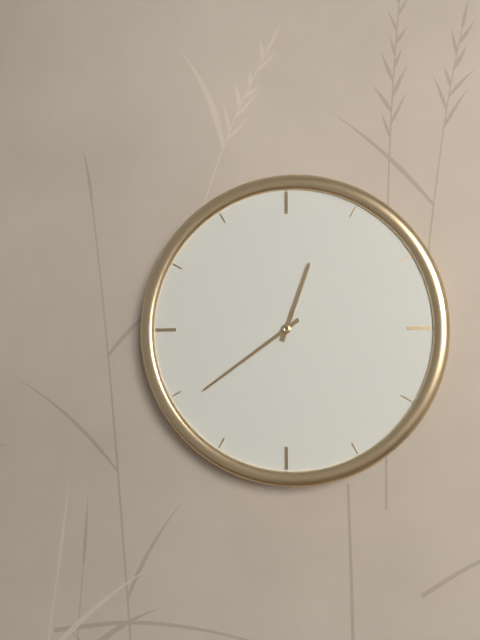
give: {"hour": 12, "minute": 39}
